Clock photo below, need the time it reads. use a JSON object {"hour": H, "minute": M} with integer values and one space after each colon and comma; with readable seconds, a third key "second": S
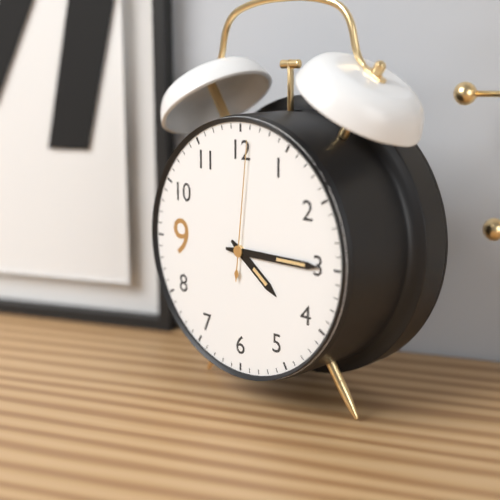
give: {"hour": 4, "minute": 15, "second": 1}
